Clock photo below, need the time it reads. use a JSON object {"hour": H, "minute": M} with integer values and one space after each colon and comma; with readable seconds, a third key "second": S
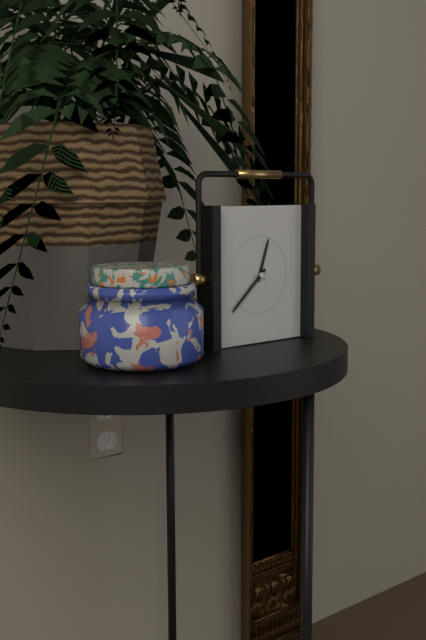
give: {"hour": 12, "minute": 38}
